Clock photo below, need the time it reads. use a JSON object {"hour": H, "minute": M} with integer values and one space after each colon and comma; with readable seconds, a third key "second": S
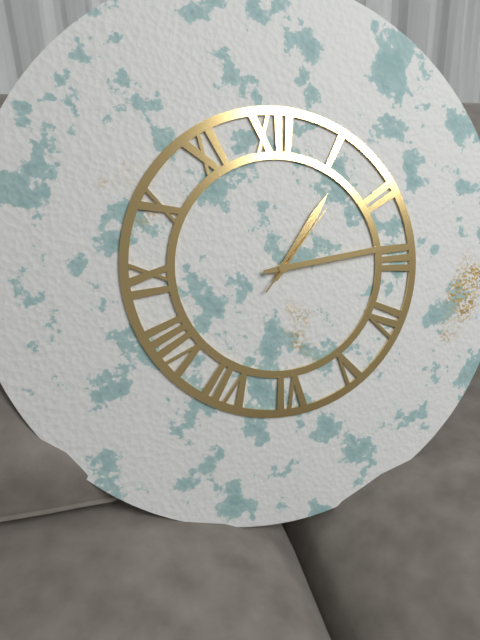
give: {"hour": 1, "minute": 14, "second": 7}
